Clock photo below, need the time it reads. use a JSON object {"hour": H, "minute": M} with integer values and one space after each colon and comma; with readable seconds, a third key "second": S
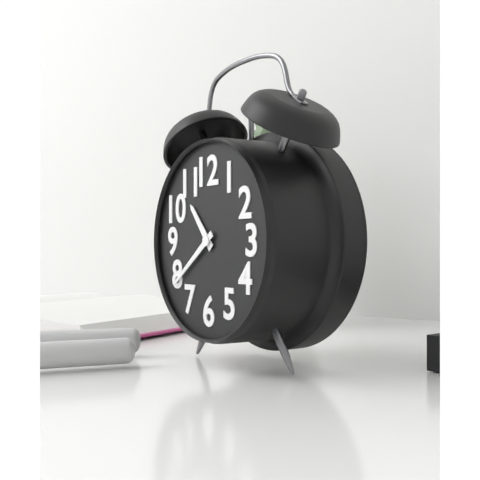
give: {"hour": 10, "minute": 39}
